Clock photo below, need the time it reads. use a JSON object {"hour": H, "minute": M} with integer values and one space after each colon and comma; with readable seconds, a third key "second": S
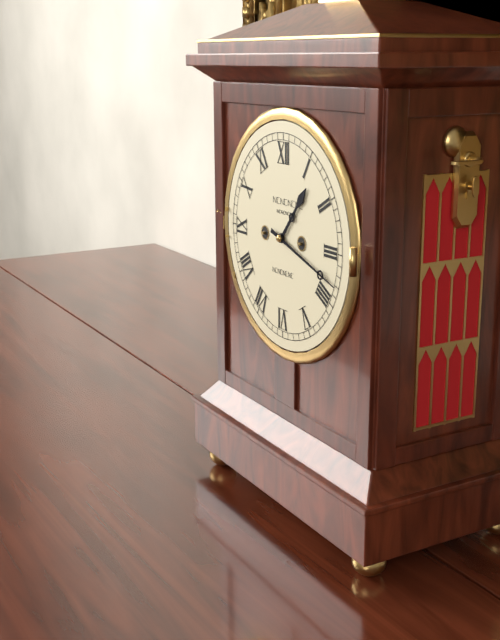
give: {"hour": 1, "minute": 18}
